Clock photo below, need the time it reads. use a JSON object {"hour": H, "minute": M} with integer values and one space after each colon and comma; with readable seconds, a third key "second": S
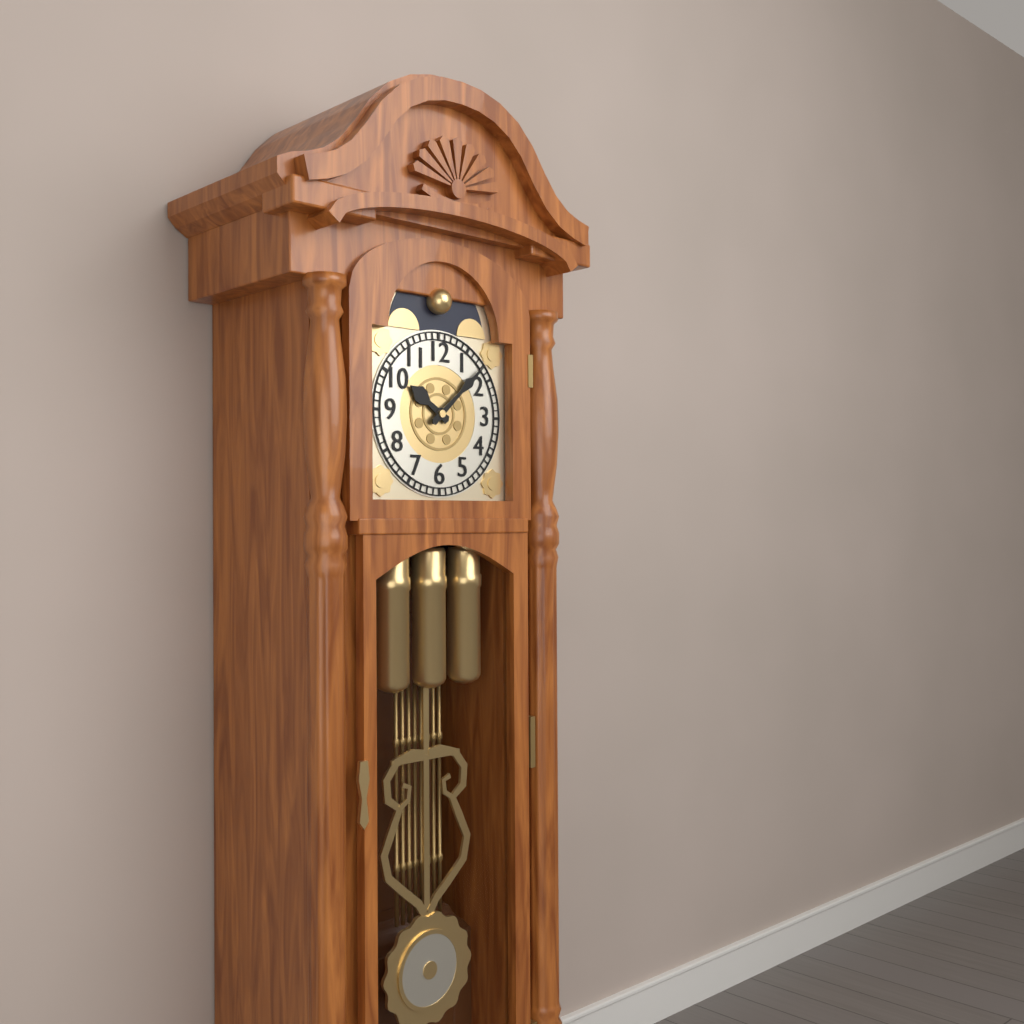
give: {"hour": 10, "minute": 8}
